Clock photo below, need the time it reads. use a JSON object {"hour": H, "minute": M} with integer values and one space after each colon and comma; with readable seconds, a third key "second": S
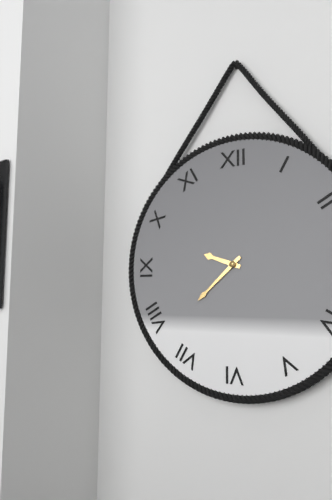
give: {"hour": 9, "minute": 38}
